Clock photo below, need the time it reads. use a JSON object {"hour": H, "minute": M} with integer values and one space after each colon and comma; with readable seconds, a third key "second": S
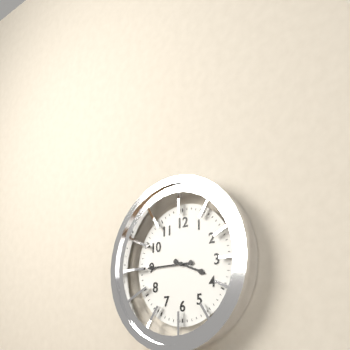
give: {"hour": 3, "minute": 45}
